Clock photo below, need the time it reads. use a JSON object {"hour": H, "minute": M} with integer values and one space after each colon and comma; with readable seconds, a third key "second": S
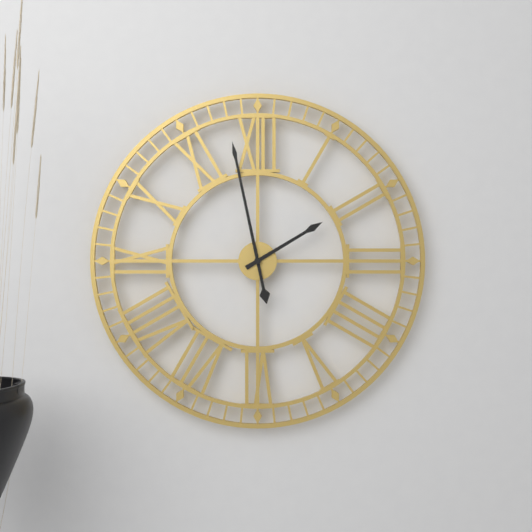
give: {"hour": 1, "minute": 58}
